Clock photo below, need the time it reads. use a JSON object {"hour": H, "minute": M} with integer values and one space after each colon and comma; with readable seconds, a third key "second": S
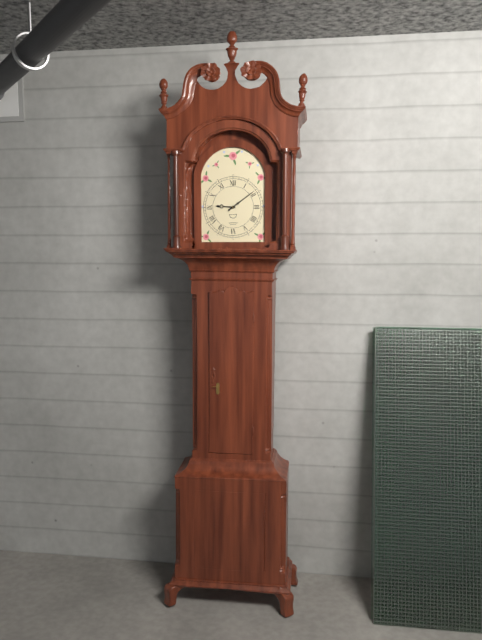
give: {"hour": 9, "minute": 9}
